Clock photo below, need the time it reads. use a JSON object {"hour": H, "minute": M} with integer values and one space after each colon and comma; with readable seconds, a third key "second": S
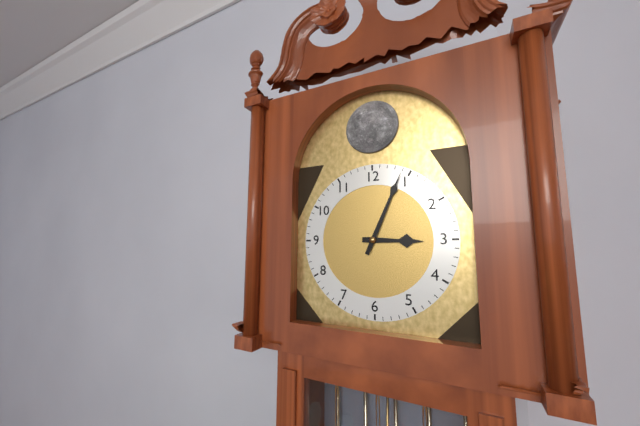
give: {"hour": 3, "minute": 4}
